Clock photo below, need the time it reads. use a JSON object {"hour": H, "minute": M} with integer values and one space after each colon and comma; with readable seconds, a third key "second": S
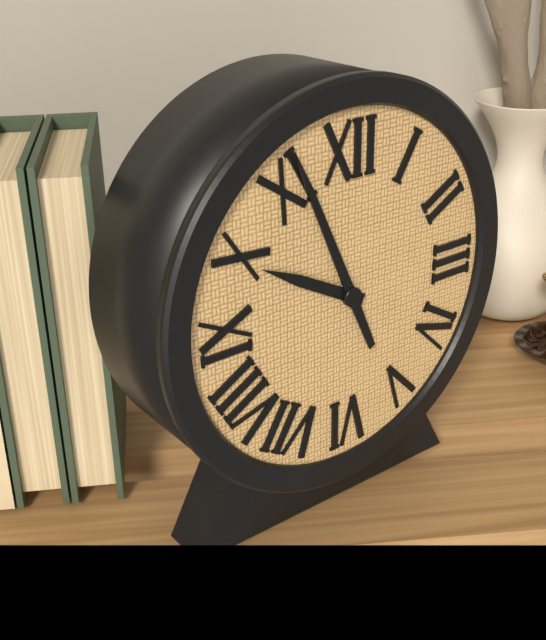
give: {"hour": 9, "minute": 56}
